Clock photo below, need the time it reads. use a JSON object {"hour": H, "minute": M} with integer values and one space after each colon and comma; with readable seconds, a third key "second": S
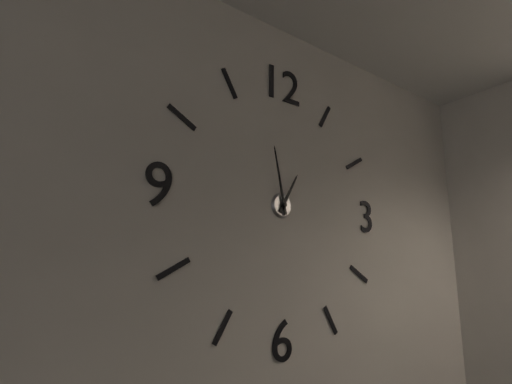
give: {"hour": 12, "minute": 58}
